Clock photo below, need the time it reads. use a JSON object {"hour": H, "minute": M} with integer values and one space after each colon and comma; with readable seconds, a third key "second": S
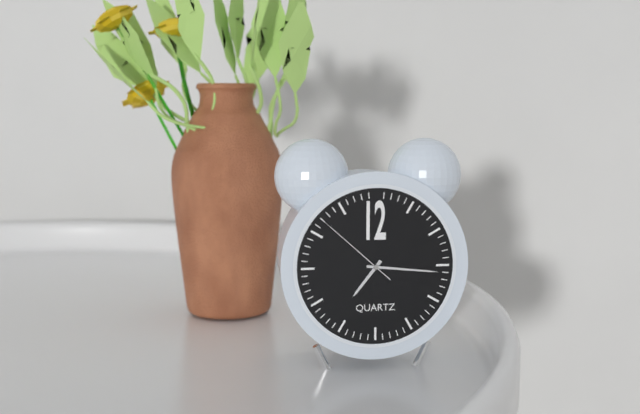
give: {"hour": 7, "minute": 16, "second": 52}
